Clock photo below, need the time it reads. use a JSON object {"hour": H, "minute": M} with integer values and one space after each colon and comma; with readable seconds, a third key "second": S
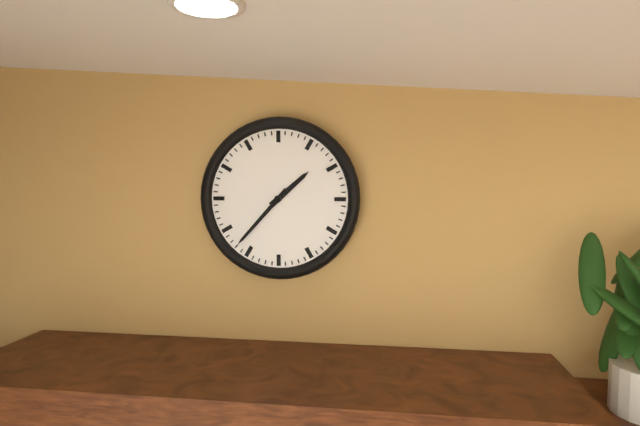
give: {"hour": 1, "minute": 37}
